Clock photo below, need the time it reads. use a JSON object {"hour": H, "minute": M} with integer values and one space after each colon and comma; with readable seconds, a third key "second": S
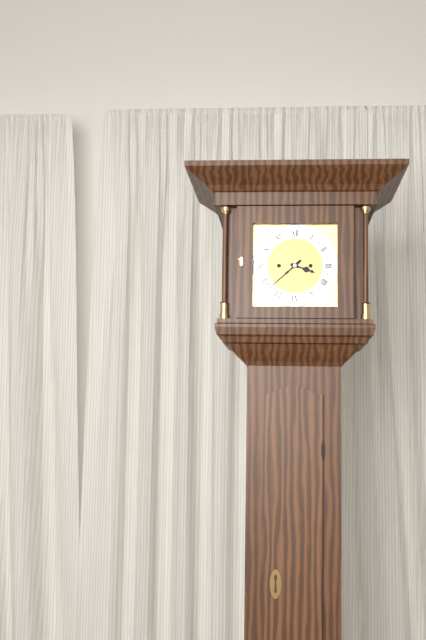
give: {"hour": 3, "minute": 38}
